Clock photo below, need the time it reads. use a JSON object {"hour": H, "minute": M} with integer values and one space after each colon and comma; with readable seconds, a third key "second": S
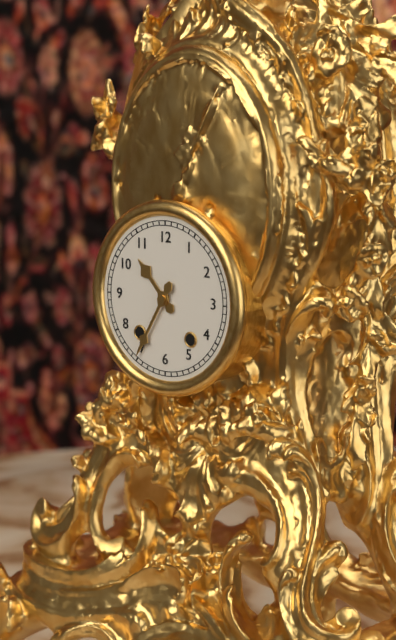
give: {"hour": 10, "minute": 35}
